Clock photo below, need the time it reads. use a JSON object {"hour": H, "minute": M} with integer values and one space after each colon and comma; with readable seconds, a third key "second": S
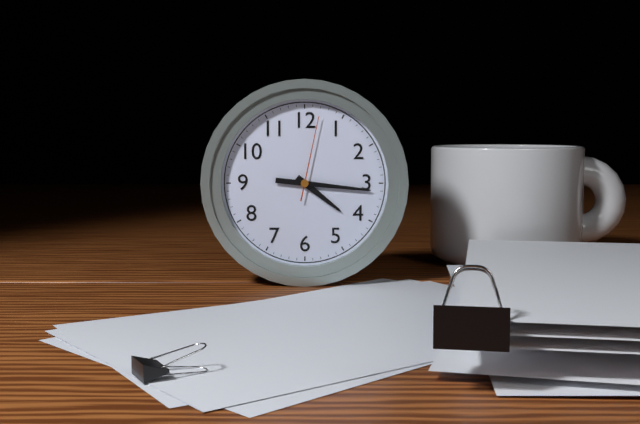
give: {"hour": 4, "minute": 16, "second": 2}
